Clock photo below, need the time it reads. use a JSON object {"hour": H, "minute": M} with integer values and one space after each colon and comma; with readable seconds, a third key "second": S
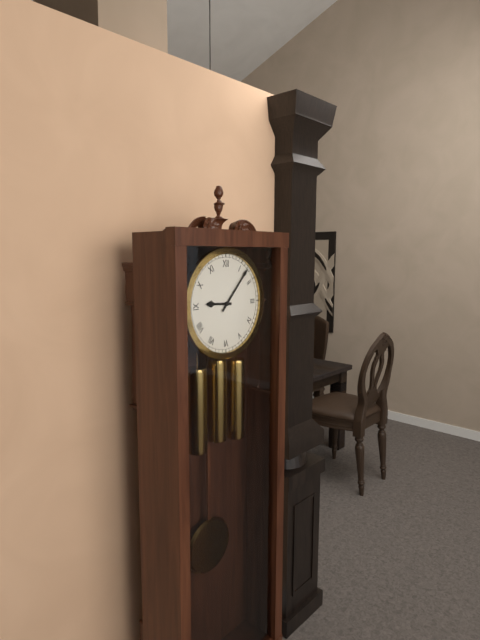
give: {"hour": 9, "minute": 7}
